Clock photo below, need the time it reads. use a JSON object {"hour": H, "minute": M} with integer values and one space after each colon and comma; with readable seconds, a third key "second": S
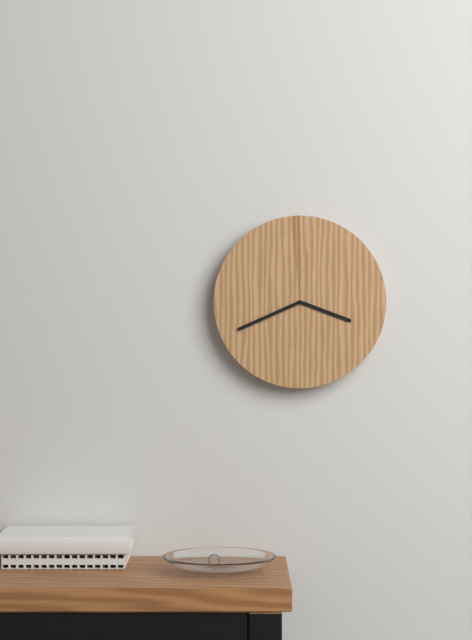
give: {"hour": 3, "minute": 41}
